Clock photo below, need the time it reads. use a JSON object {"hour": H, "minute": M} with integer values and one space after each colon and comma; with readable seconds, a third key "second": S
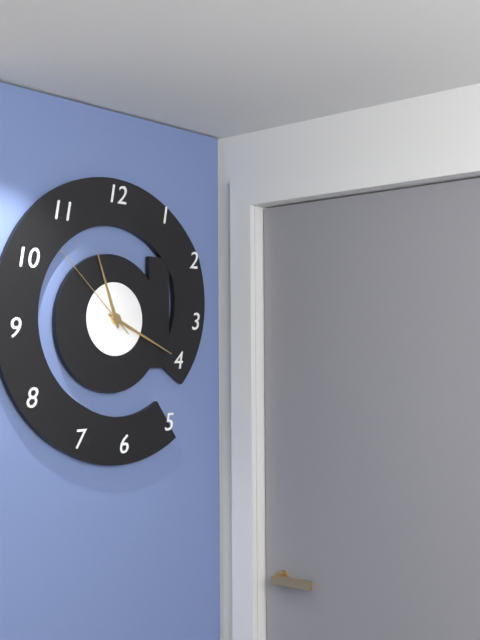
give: {"hour": 11, "minute": 19, "second": 52}
